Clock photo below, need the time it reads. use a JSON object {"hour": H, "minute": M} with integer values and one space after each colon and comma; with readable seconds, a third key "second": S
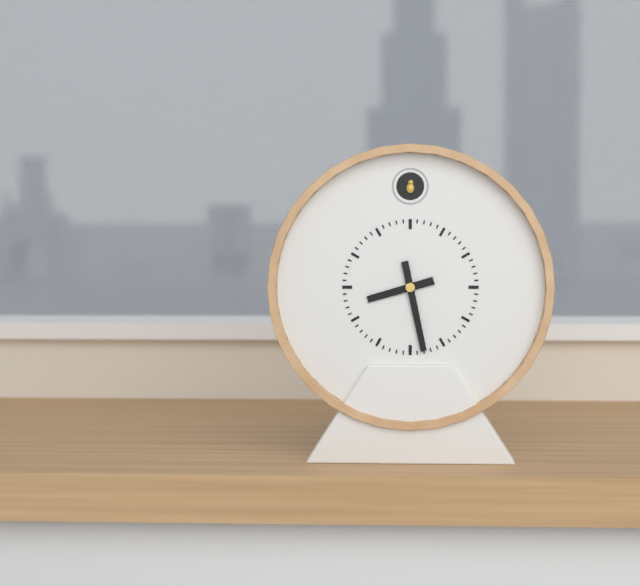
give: {"hour": 8, "minute": 28}
